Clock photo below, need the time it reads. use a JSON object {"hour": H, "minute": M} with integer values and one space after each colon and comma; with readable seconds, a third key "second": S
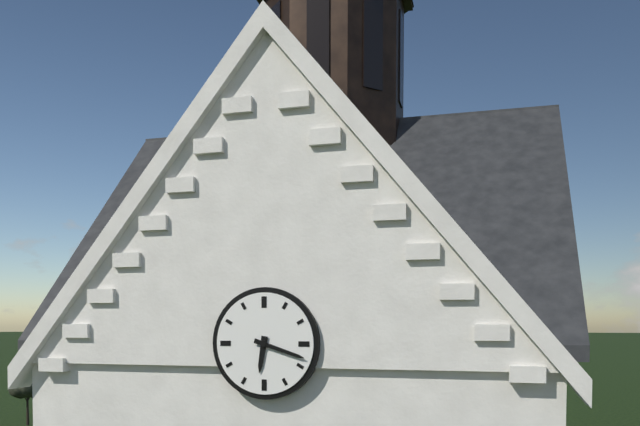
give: {"hour": 6, "minute": 18}
